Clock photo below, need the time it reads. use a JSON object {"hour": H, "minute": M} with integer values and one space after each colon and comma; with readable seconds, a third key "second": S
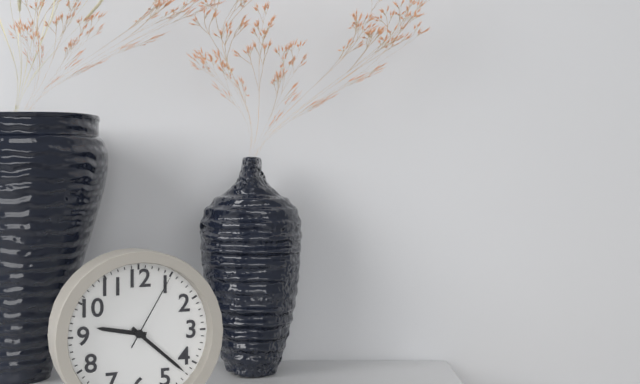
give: {"hour": 9, "minute": 22, "second": 5}
